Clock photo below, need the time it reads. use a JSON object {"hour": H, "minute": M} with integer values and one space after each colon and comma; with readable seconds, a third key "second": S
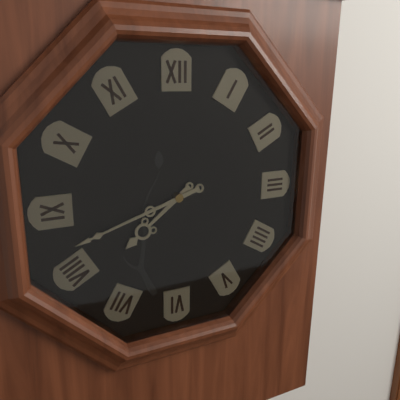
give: {"hour": 7, "minute": 42}
